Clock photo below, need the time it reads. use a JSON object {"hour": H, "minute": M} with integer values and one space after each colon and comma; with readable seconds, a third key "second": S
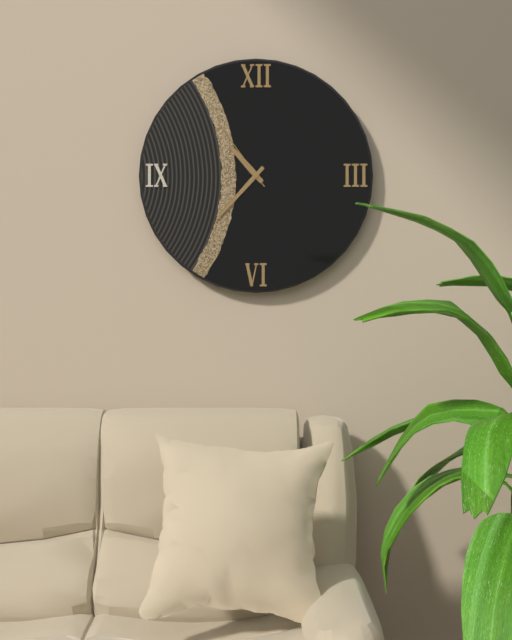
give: {"hour": 10, "minute": 37, "second": 54}
